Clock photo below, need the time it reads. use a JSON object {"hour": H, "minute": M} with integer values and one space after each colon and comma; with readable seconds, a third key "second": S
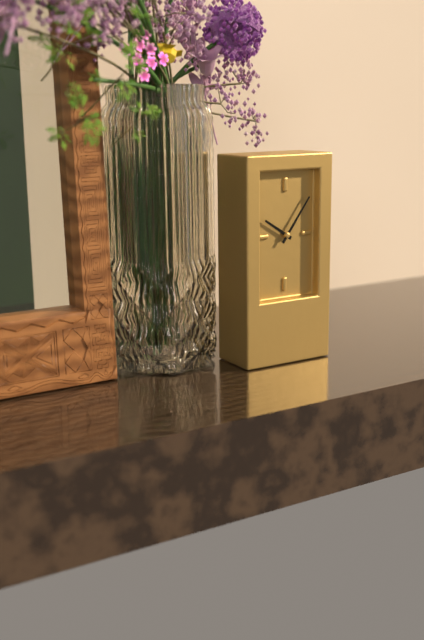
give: {"hour": 10, "minute": 6}
